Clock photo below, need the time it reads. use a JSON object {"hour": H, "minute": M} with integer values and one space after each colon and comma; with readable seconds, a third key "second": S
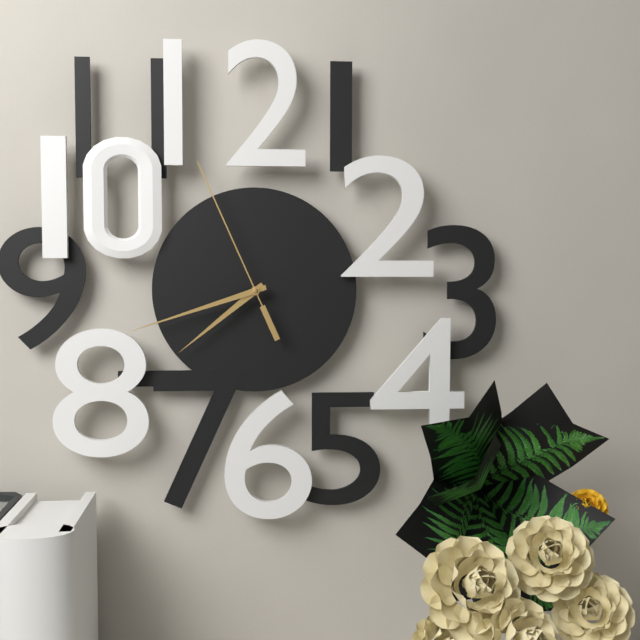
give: {"hour": 7, "minute": 42, "second": 56}
